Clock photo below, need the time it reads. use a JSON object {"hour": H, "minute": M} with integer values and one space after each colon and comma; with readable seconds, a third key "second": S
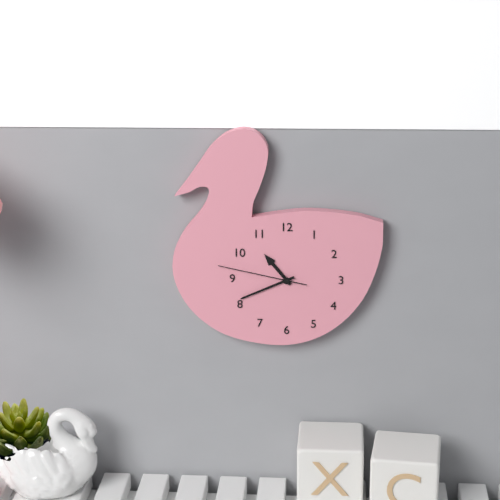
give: {"hour": 10, "minute": 41, "second": 47}
